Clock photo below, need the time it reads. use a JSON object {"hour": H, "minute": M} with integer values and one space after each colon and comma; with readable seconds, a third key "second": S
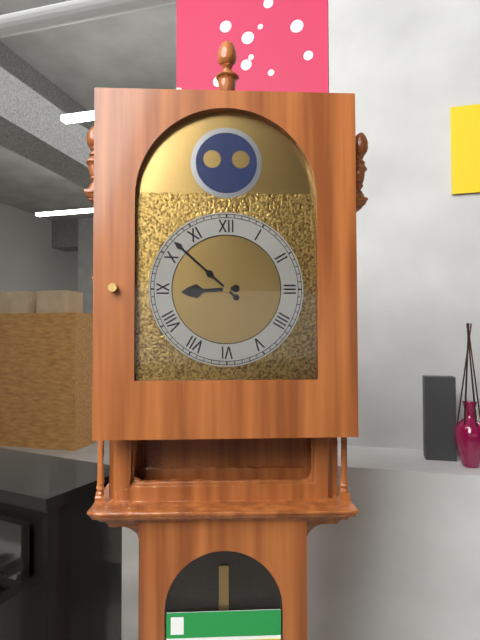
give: {"hour": 8, "minute": 52}
